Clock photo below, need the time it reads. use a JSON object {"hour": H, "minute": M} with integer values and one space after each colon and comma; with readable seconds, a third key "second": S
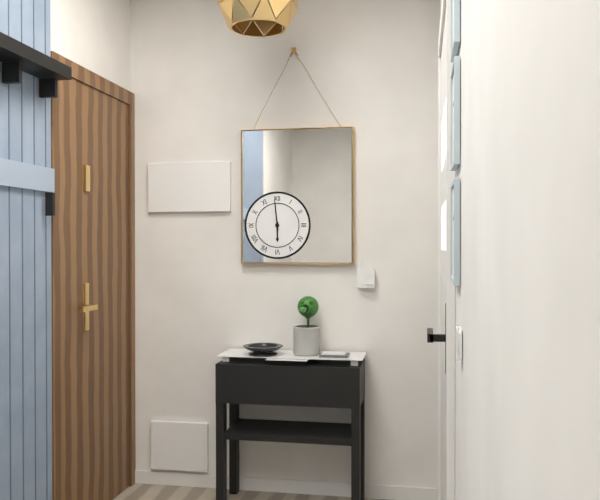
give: {"hour": 5, "minute": 59}
